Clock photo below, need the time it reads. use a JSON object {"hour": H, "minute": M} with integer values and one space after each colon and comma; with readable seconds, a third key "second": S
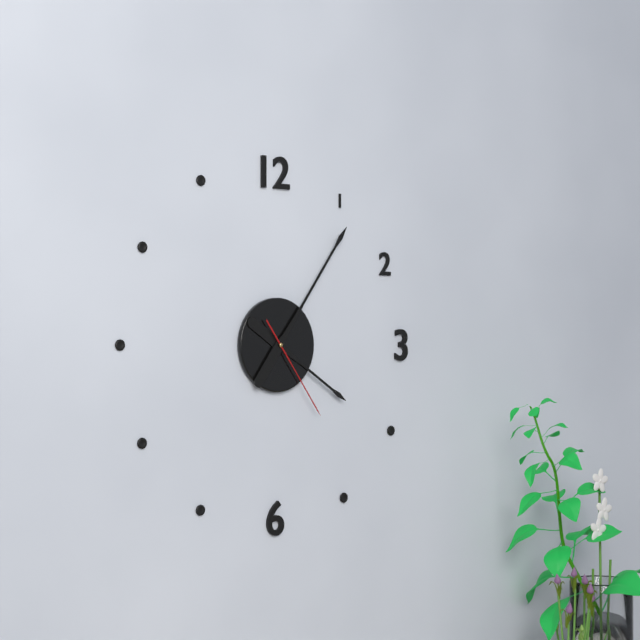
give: {"hour": 4, "minute": 6, "second": 24}
